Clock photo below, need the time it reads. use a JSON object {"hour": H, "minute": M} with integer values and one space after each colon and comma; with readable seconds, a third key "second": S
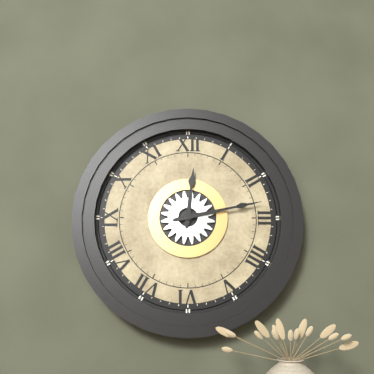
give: {"hour": 12, "minute": 13}
